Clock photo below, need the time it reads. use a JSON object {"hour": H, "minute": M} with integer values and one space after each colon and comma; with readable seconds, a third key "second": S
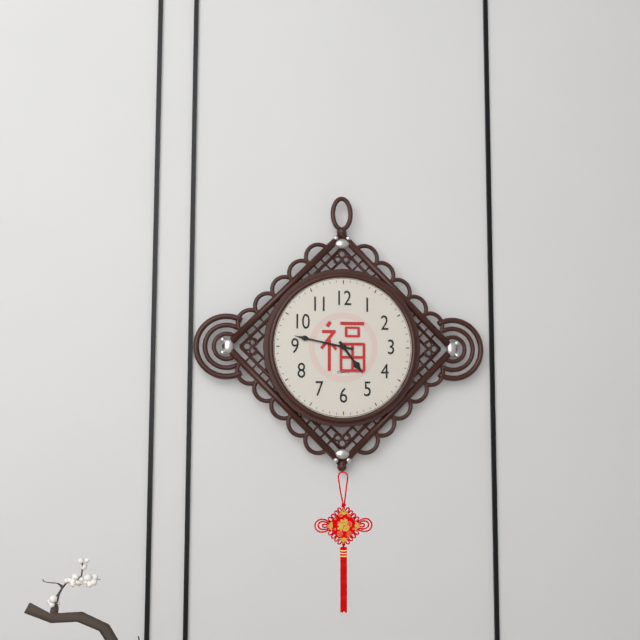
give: {"hour": 4, "minute": 47}
